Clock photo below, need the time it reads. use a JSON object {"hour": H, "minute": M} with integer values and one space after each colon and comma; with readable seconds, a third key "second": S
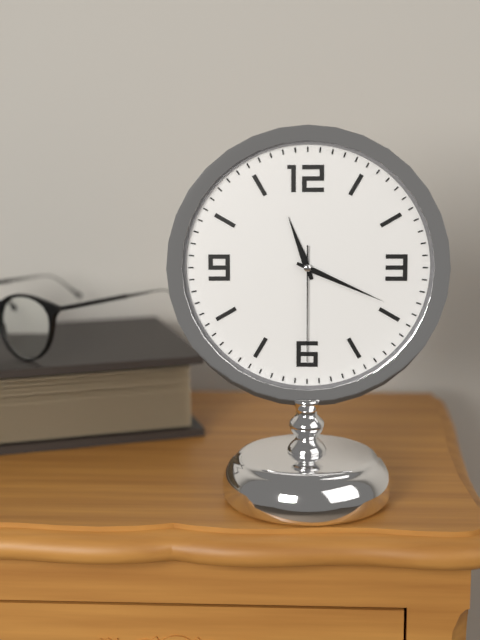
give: {"hour": 11, "minute": 19, "second": 30}
